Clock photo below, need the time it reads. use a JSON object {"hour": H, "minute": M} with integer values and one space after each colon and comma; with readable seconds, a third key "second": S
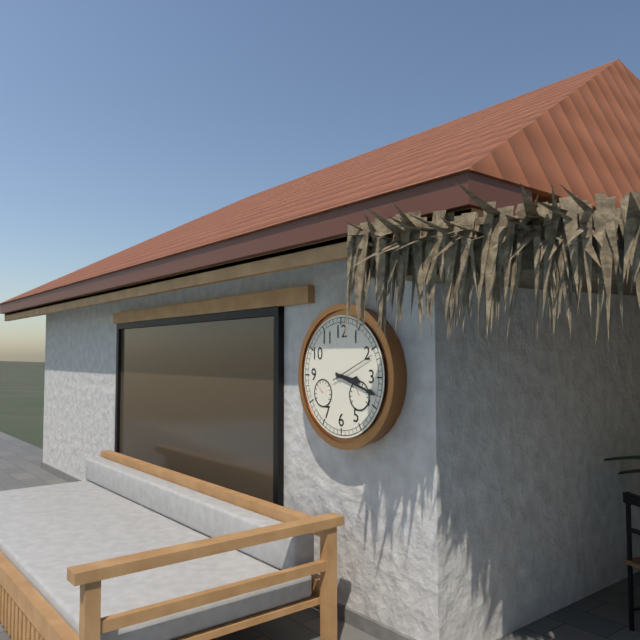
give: {"hour": 3, "minute": 18}
